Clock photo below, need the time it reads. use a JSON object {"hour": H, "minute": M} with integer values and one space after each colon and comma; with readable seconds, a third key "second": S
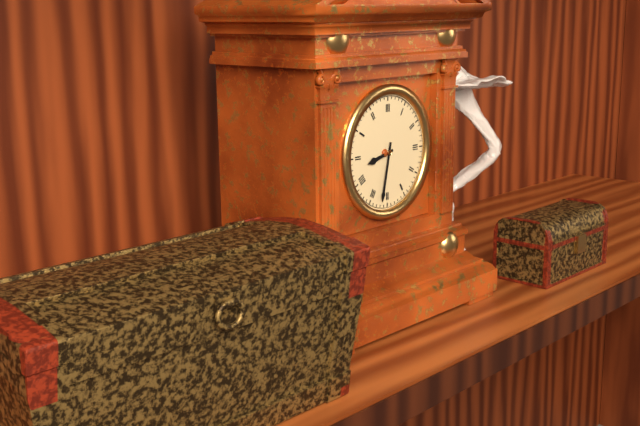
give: {"hour": 8, "minute": 32}
